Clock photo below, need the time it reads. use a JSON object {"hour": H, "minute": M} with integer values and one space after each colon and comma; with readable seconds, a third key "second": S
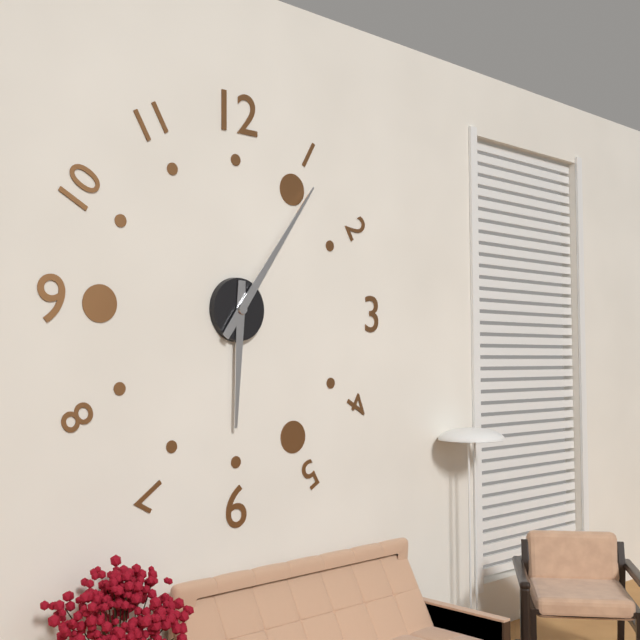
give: {"hour": 6, "minute": 6}
